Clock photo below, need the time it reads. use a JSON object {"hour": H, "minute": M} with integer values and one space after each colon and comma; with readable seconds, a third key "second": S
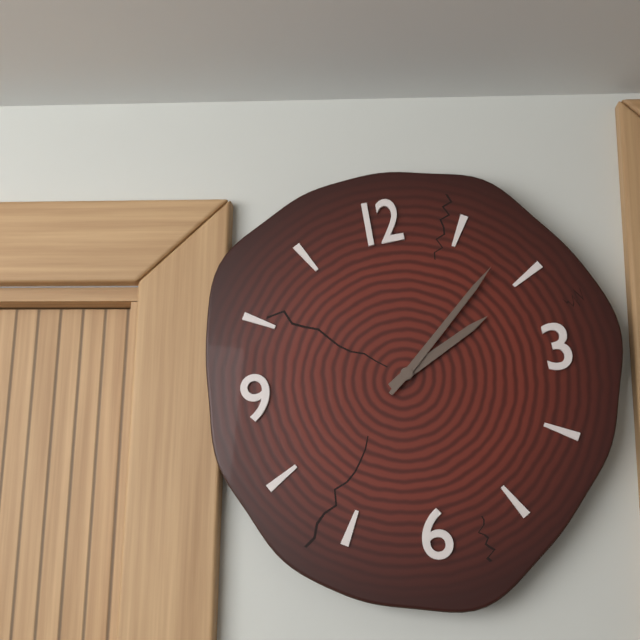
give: {"hour": 2, "minute": 8}
